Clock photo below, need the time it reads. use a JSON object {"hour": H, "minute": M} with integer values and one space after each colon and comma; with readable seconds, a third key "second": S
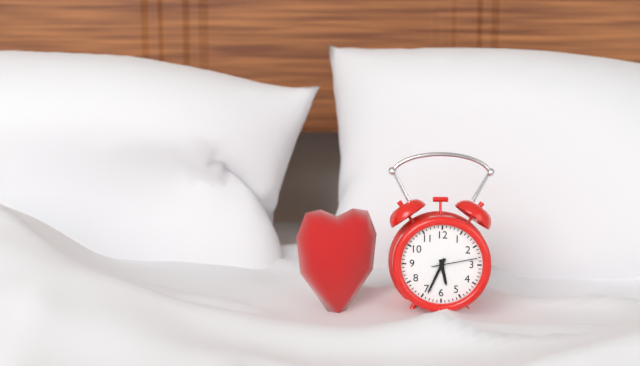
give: {"hour": 5, "minute": 34}
